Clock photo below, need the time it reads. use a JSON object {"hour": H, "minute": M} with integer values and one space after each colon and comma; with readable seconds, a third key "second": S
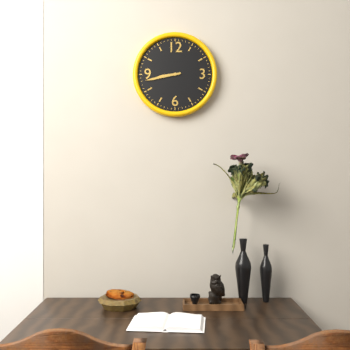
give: {"hour": 8, "minute": 43}
